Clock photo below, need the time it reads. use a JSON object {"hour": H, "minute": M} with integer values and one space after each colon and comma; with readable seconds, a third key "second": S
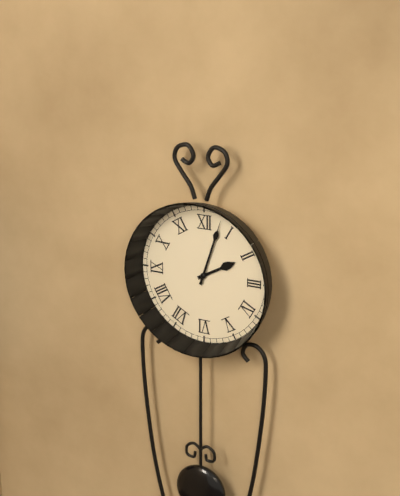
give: {"hour": 2, "minute": 3}
